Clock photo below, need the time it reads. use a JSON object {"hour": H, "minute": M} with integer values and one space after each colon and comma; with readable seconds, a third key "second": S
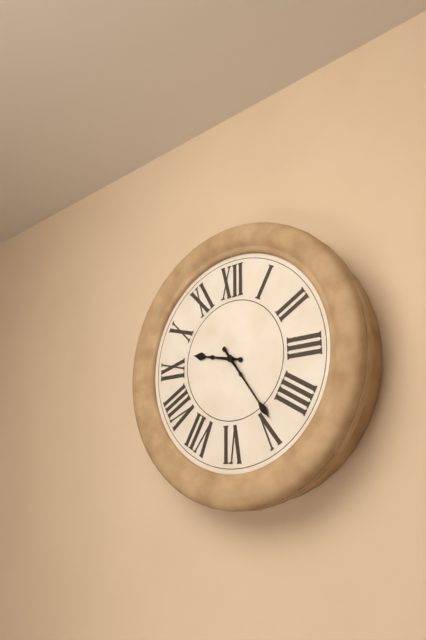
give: {"hour": 9, "minute": 24}
